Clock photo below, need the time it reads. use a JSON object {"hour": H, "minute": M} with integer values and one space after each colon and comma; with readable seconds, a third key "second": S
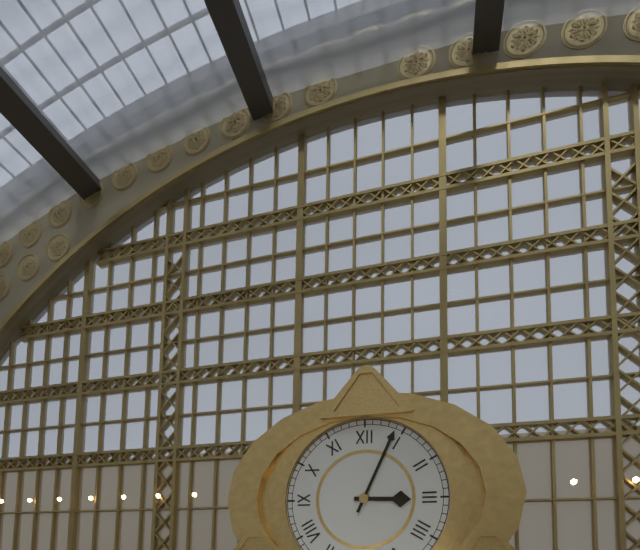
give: {"hour": 3, "minute": 4}
